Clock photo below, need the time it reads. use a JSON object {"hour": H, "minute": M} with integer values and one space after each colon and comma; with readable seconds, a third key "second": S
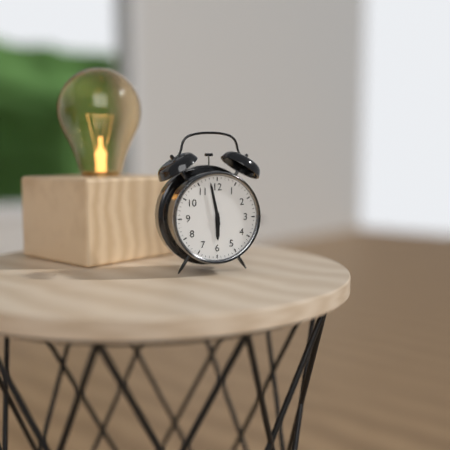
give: {"hour": 5, "minute": 58}
